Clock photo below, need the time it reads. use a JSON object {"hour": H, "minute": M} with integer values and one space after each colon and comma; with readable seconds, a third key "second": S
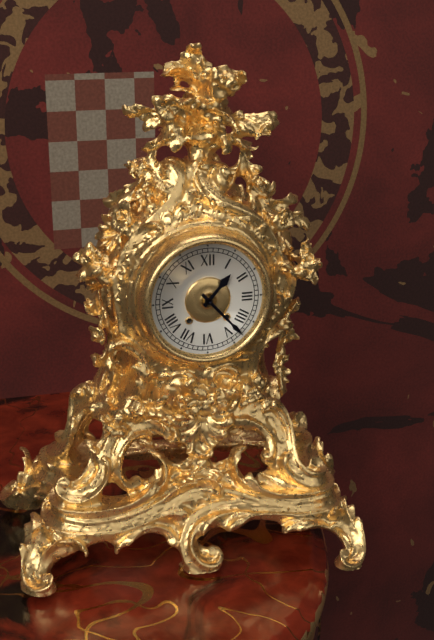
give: {"hour": 1, "minute": 23}
